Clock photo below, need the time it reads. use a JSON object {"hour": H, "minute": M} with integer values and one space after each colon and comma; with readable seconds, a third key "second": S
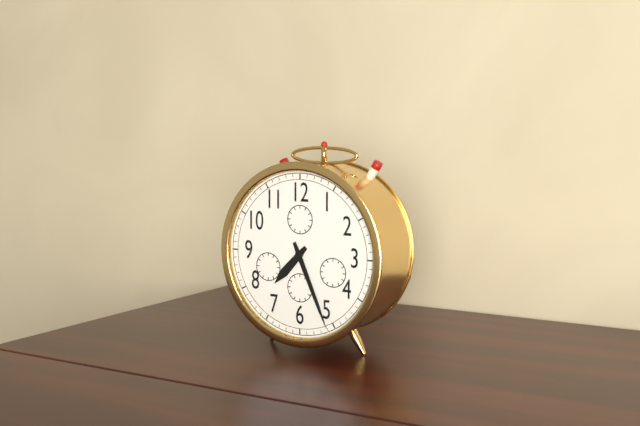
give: {"hour": 7, "minute": 26}
